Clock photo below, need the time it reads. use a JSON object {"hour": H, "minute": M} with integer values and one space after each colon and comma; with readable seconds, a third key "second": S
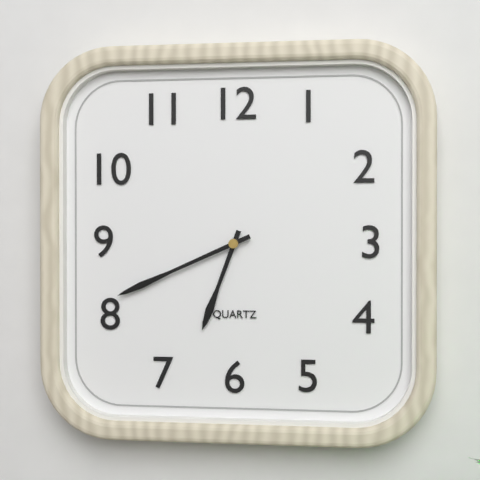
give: {"hour": 6, "minute": 41}
